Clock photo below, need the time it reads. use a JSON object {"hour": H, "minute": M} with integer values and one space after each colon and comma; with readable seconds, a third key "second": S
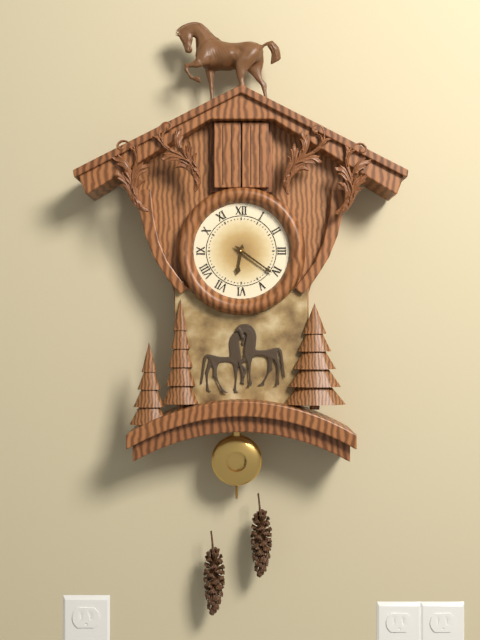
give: {"hour": 6, "minute": 21}
